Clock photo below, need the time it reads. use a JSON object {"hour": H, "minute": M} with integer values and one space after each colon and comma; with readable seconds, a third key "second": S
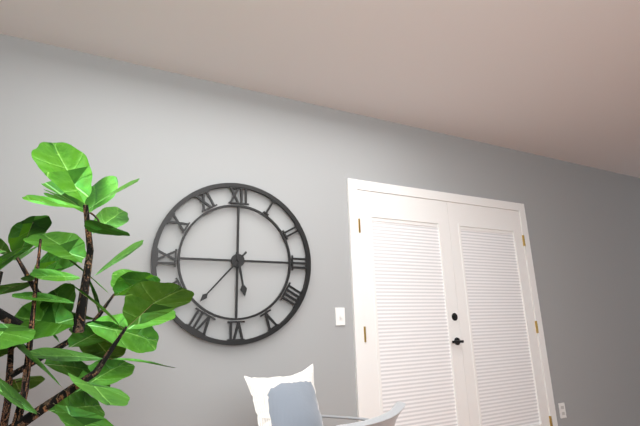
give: {"hour": 5, "minute": 37}
